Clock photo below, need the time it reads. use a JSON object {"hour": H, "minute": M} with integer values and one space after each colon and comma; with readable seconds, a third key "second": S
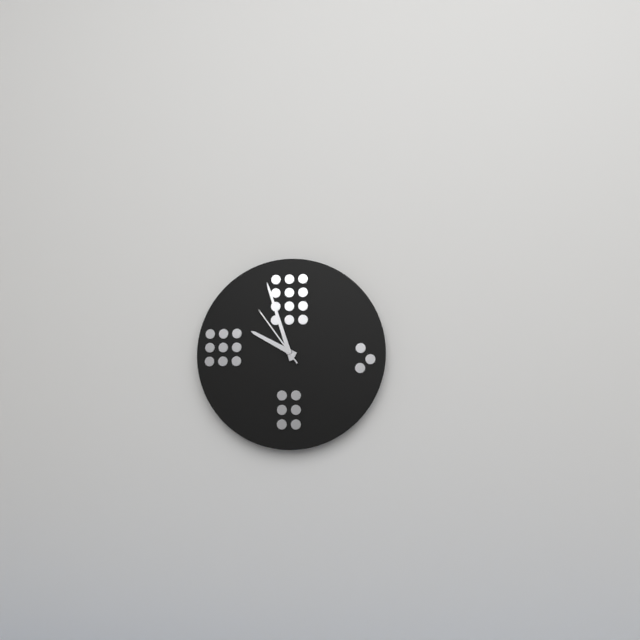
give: {"hour": 9, "minute": 57, "second": 54}
